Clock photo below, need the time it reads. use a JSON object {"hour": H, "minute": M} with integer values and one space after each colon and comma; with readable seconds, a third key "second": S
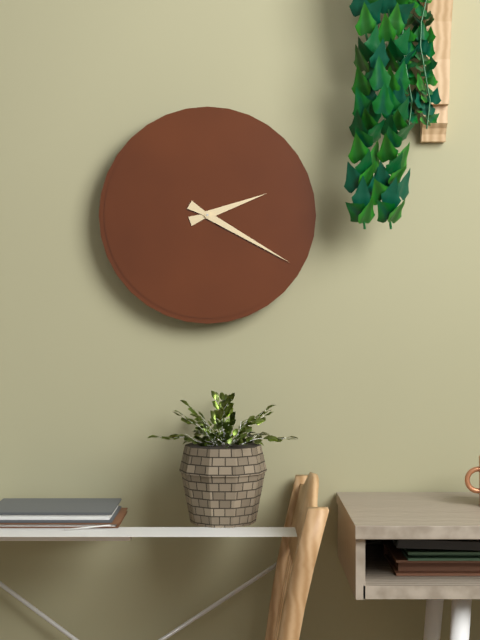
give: {"hour": 2, "minute": 20}
